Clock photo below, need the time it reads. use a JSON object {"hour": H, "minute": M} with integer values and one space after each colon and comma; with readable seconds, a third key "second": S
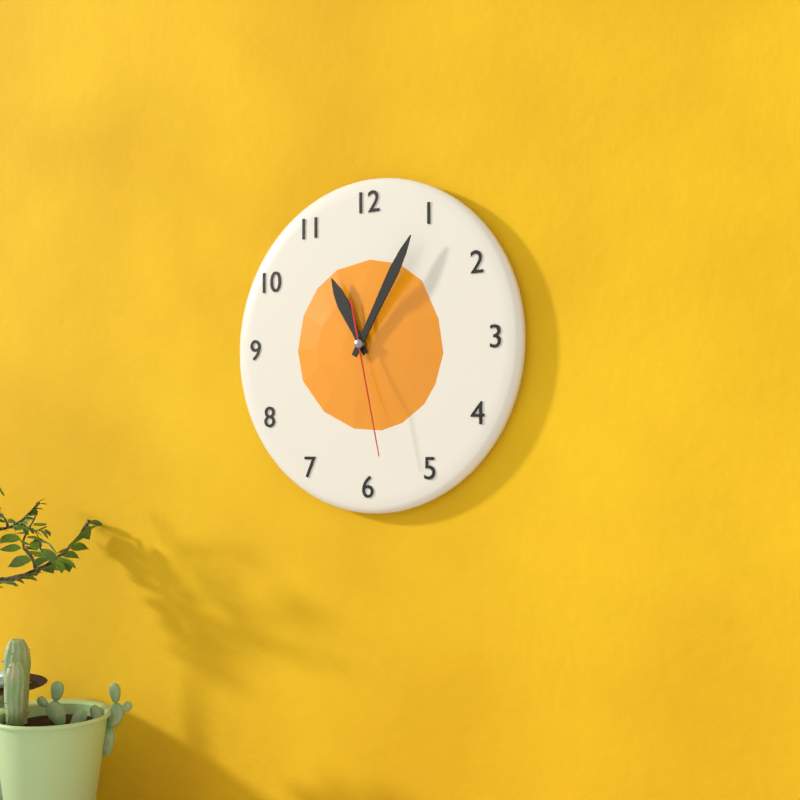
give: {"hour": 11, "minute": 5, "second": 28}
